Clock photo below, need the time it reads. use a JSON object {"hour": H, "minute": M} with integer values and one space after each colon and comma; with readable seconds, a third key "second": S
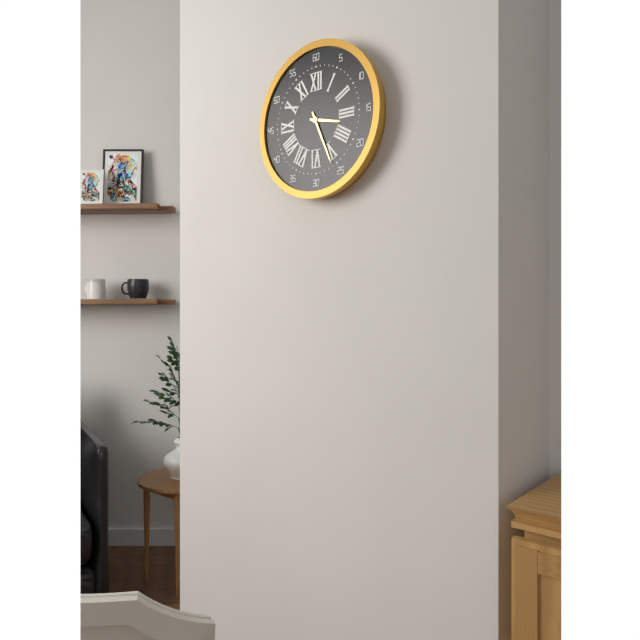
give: {"hour": 3, "minute": 26}
